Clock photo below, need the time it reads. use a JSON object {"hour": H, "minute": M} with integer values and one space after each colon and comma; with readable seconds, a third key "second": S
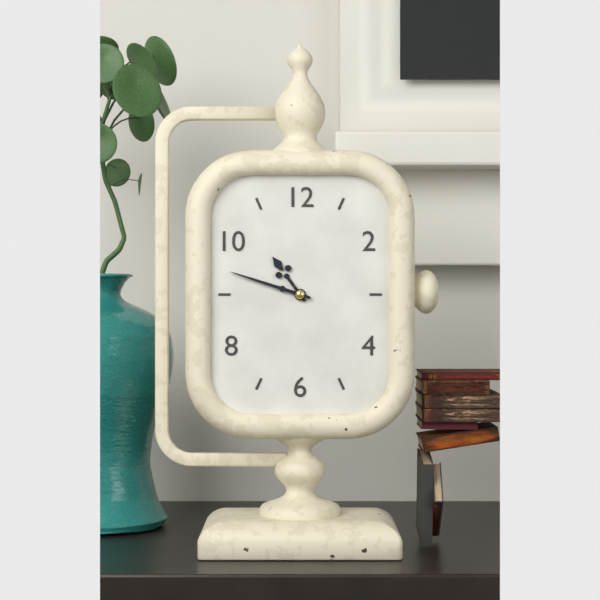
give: {"hour": 10, "minute": 48}
